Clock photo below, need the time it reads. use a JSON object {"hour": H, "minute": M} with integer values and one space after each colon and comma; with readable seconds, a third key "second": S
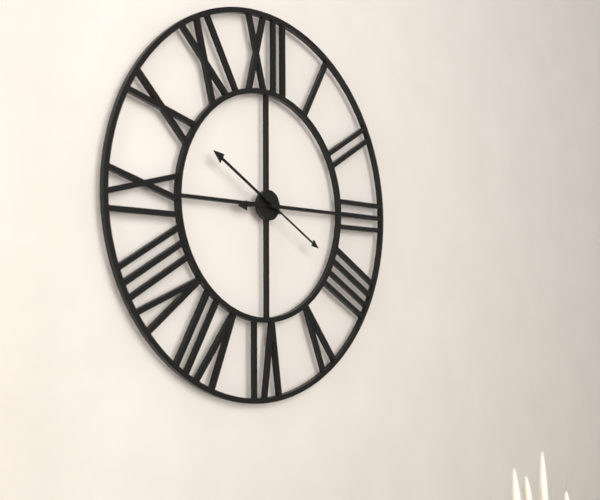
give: {"hour": 8, "minute": 50, "second": 20}
